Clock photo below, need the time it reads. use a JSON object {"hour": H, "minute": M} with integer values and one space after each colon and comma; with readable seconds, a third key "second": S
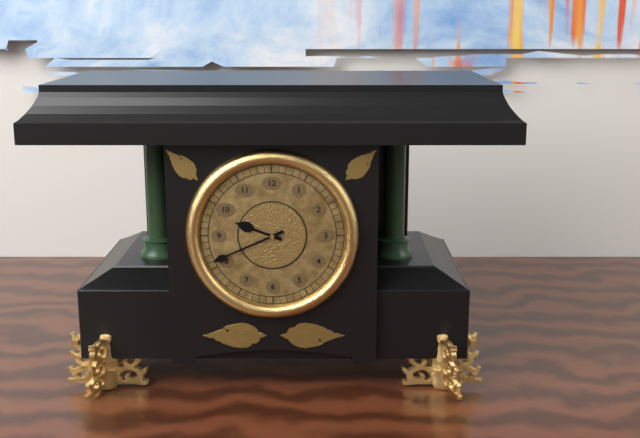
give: {"hour": 9, "minute": 41}
